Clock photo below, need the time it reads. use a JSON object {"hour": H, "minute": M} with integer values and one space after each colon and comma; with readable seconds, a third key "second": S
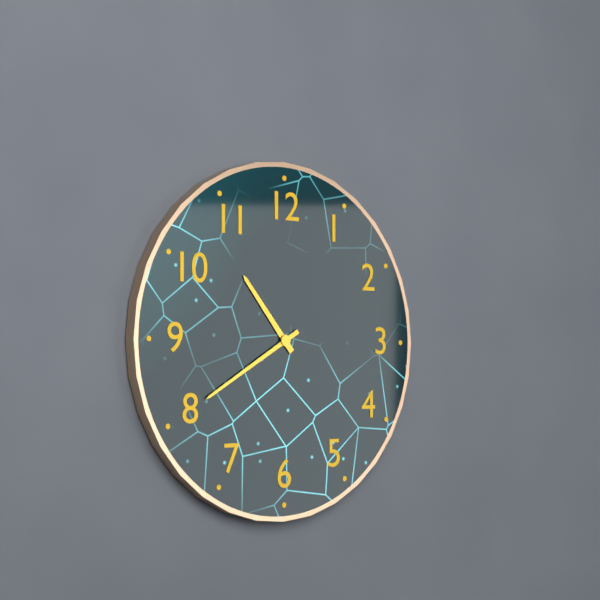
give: {"hour": 10, "minute": 40}
